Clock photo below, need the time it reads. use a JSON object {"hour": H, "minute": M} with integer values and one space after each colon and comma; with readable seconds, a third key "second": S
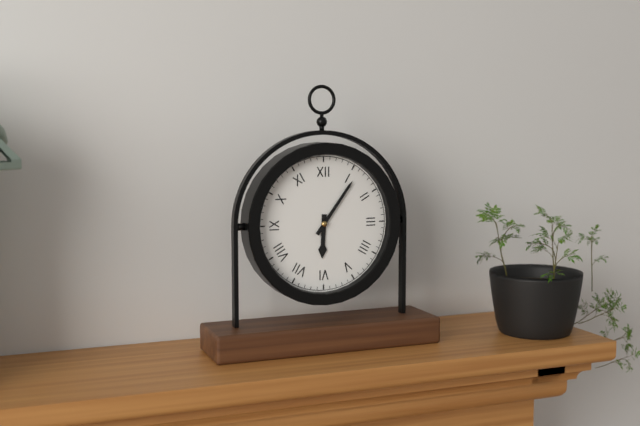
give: {"hour": 6, "minute": 6}
